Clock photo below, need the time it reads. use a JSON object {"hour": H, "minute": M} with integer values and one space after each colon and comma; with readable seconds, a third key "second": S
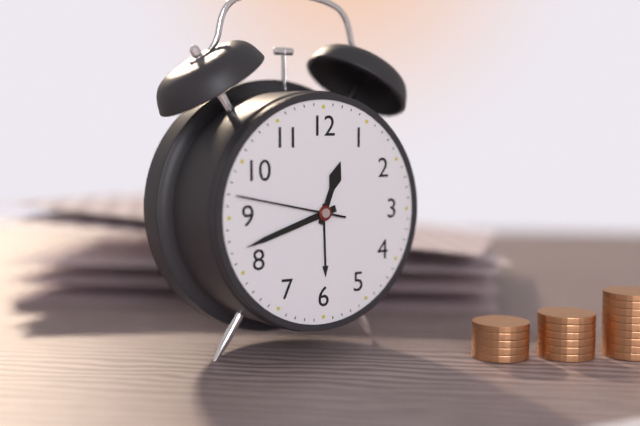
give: {"hour": 12, "minute": 42, "second": 47}
